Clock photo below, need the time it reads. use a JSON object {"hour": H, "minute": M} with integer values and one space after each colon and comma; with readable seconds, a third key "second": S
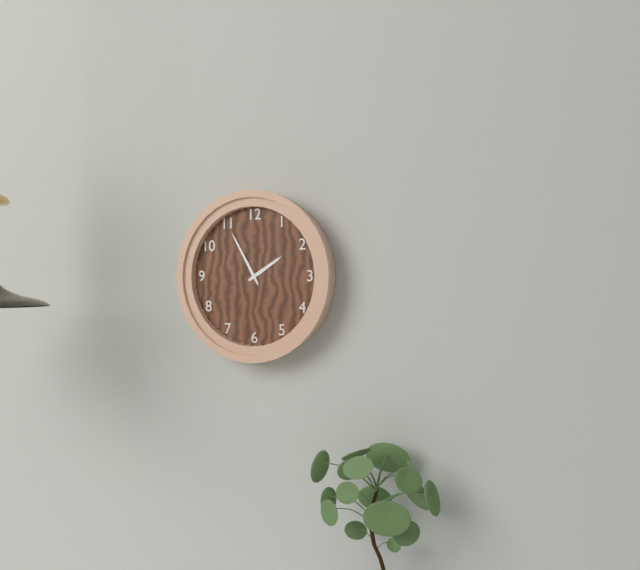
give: {"hour": 1, "minute": 55}
